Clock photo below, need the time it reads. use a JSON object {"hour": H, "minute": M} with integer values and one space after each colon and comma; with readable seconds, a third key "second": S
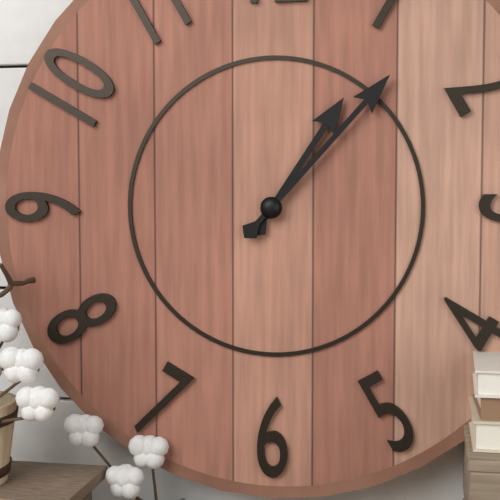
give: {"hour": 1, "minute": 7}
